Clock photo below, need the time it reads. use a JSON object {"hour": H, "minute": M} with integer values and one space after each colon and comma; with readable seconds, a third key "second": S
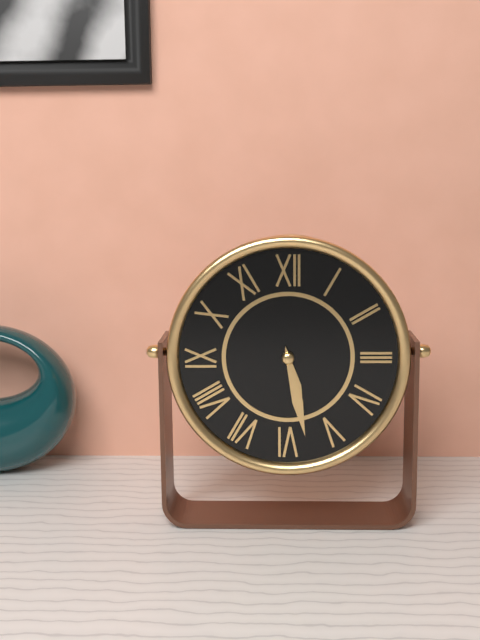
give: {"hour": 5, "minute": 28}
